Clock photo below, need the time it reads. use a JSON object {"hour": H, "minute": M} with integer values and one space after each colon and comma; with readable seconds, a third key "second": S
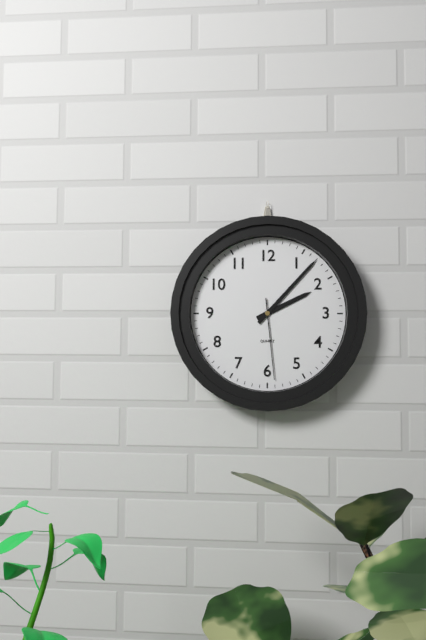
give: {"hour": 2, "minute": 7, "second": 29}
